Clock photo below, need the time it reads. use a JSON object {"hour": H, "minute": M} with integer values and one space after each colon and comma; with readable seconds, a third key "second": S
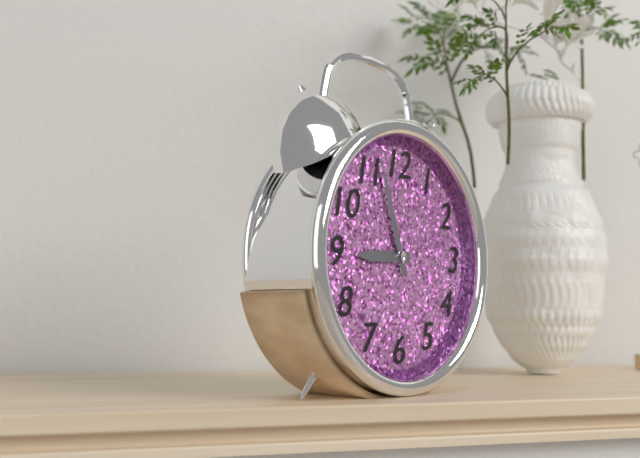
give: {"hour": 8, "minute": 57}
